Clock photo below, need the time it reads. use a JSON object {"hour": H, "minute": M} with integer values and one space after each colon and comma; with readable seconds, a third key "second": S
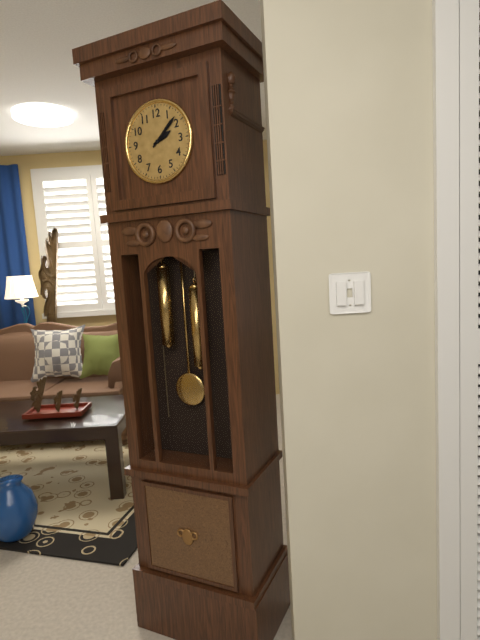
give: {"hour": 2, "minute": 8}
